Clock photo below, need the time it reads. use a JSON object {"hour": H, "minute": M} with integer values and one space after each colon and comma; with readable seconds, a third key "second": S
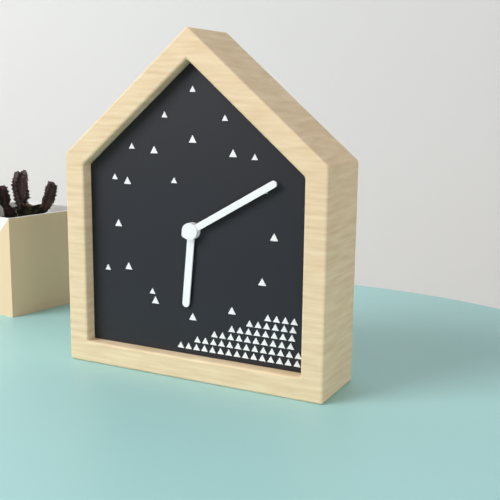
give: {"hour": 6, "minute": 10}
